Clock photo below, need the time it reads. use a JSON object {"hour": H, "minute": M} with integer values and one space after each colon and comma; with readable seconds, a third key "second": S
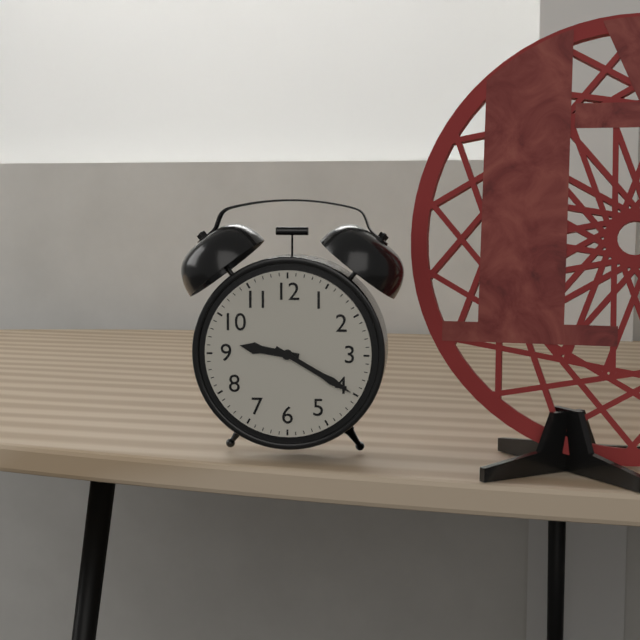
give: {"hour": 9, "minute": 20}
